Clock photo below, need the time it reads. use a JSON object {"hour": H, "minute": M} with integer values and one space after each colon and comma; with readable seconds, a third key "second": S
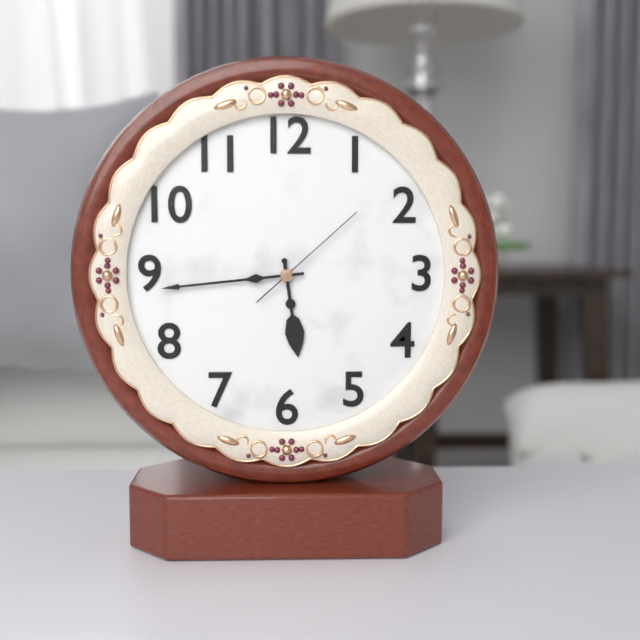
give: {"hour": 5, "minute": 44, "second": 8}
